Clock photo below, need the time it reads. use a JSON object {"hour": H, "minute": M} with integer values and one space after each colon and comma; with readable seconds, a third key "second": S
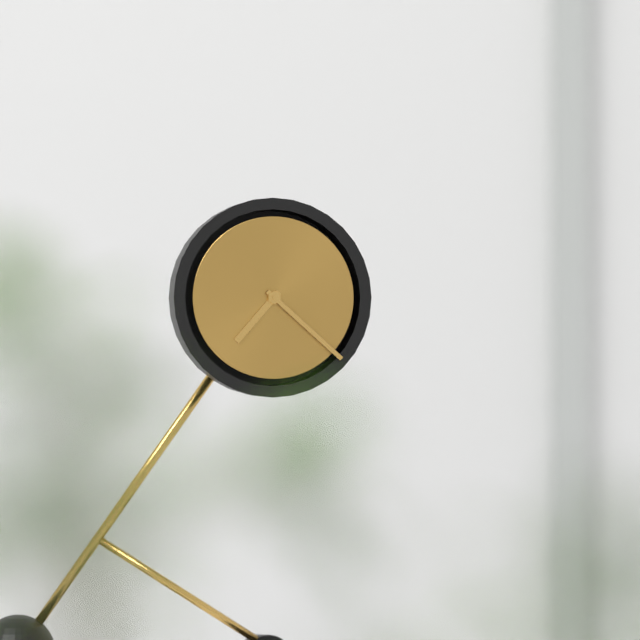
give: {"hour": 7, "minute": 22}
